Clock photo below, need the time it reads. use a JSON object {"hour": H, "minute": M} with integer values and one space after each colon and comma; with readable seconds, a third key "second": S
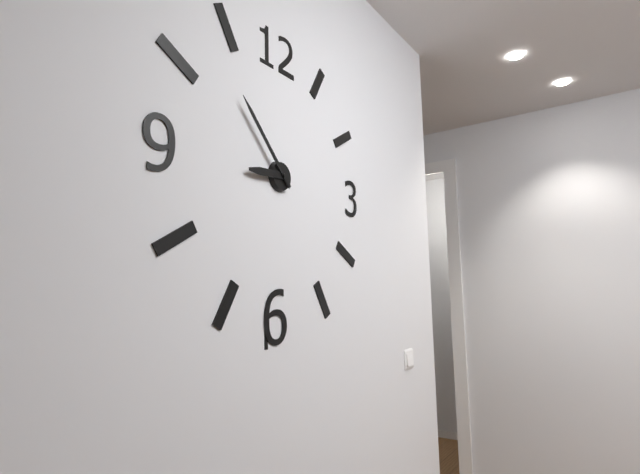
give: {"hour": 8, "minute": 53}
